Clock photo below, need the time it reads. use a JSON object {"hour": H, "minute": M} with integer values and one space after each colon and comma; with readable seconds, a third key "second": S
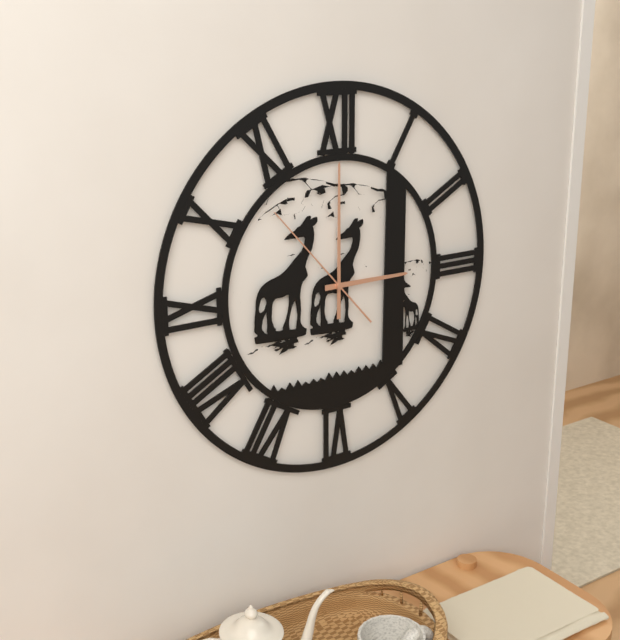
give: {"hour": 3, "minute": 0, "second": 53}
